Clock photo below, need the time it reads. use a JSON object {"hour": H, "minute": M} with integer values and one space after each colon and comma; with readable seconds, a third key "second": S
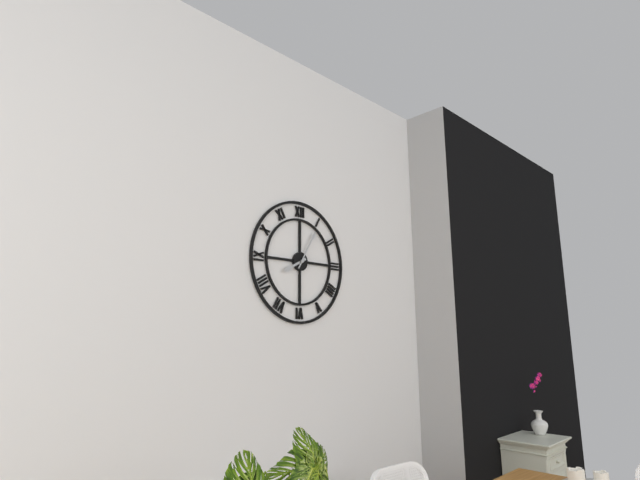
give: {"hour": 8, "minute": 5}
